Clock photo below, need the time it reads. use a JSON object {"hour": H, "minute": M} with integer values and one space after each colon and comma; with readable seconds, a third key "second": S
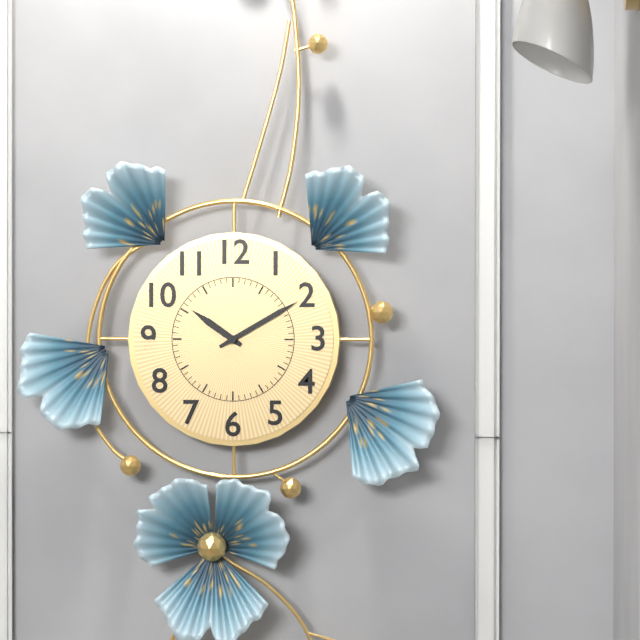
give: {"hour": 10, "minute": 10}
